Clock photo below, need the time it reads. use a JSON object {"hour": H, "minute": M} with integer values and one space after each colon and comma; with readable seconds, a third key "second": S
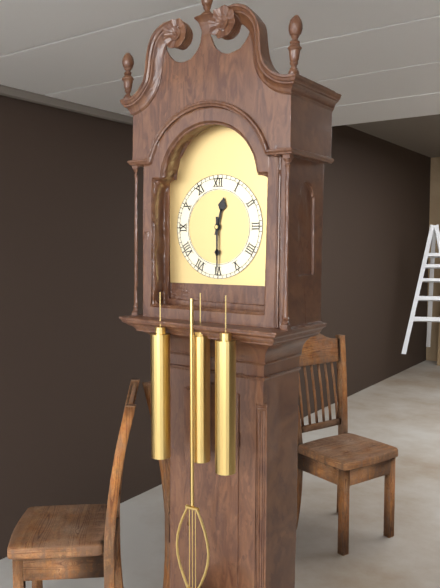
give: {"hour": 12, "minute": 30}
